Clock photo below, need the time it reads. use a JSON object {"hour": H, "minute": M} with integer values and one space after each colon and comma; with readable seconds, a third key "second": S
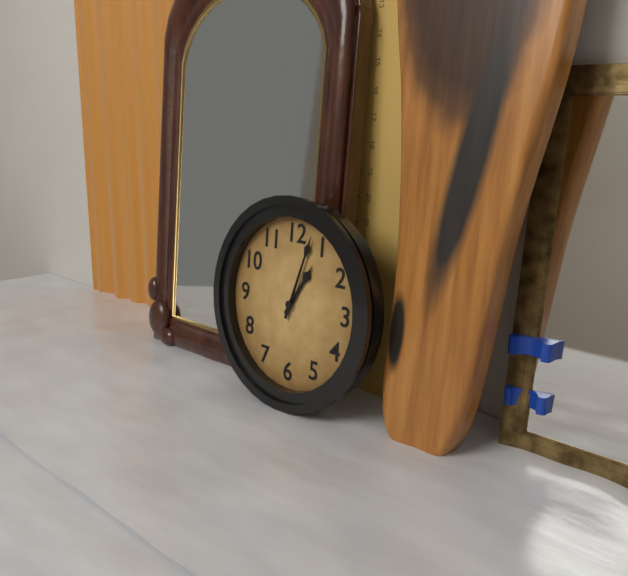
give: {"hour": 1, "minute": 3}
